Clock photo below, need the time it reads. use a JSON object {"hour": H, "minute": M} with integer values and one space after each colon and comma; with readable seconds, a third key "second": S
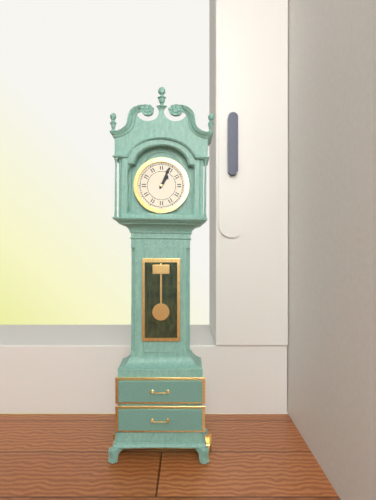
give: {"hour": 1, "minute": 4}
